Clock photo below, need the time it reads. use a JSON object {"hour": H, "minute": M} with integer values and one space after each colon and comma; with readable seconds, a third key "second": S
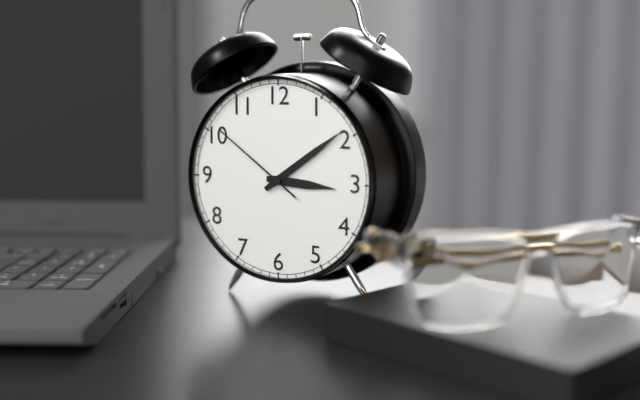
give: {"hour": 3, "minute": 9, "second": 51}
